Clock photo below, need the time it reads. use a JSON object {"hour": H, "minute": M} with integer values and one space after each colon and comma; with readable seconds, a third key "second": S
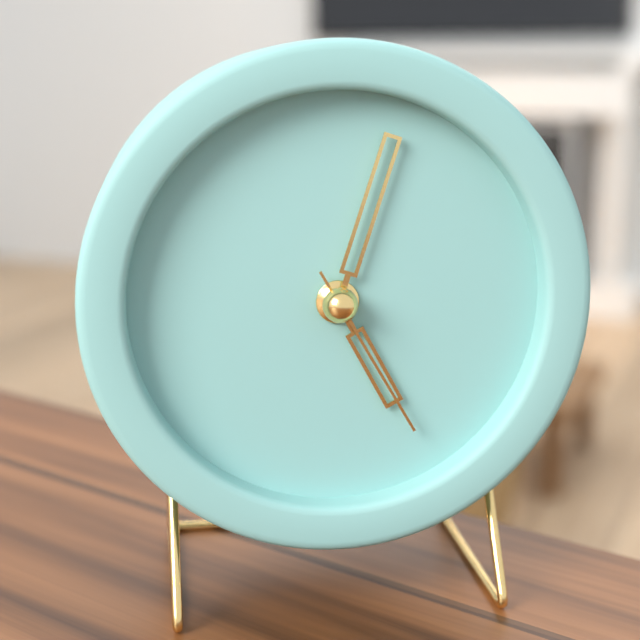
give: {"hour": 5, "minute": 3, "second": 25}
